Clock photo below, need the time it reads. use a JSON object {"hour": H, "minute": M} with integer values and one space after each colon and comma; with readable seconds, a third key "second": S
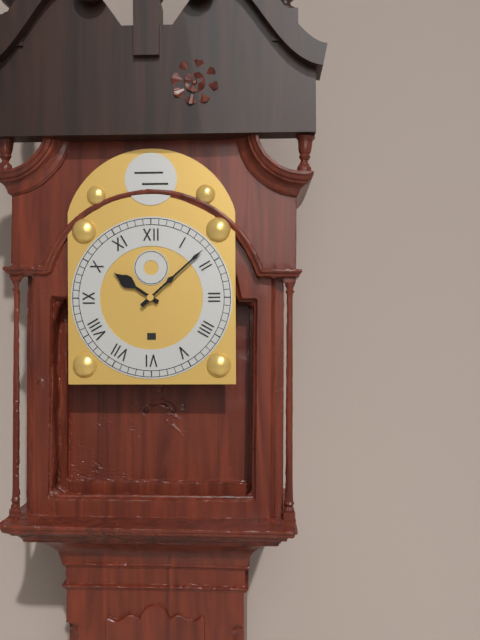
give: {"hour": 10, "minute": 8}
